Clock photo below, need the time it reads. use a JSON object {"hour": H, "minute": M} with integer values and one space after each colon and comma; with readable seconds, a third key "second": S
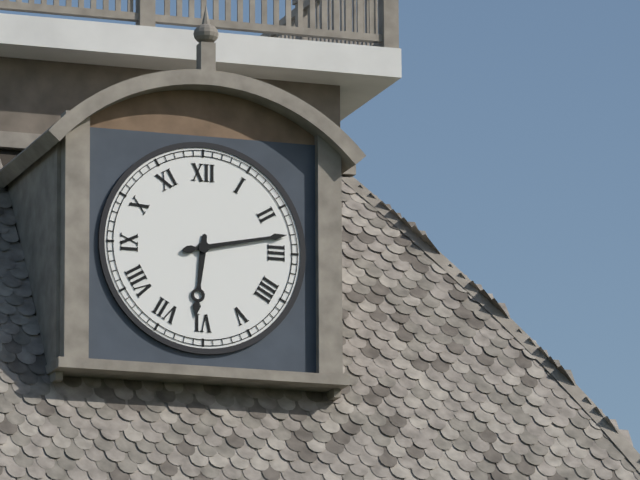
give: {"hour": 6, "minute": 13}
